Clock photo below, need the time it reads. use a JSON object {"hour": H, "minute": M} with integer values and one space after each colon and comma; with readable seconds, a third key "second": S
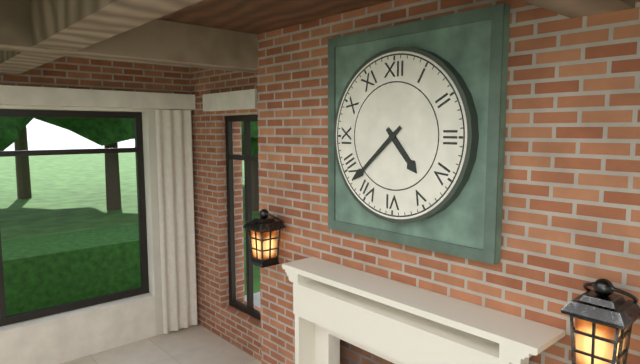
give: {"hour": 4, "minute": 38}
